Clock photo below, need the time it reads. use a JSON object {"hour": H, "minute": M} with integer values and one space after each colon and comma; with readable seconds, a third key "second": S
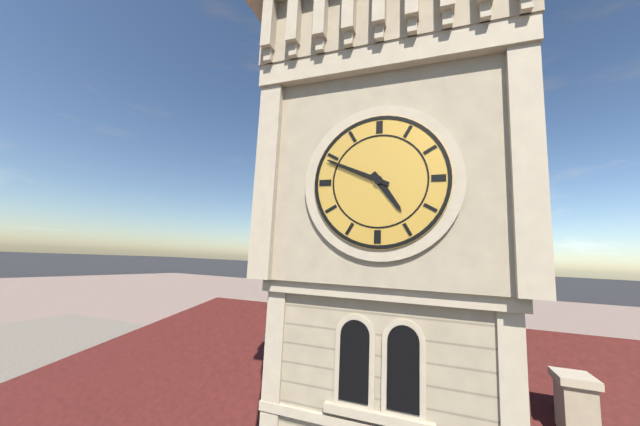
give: {"hour": 4, "minute": 49}
